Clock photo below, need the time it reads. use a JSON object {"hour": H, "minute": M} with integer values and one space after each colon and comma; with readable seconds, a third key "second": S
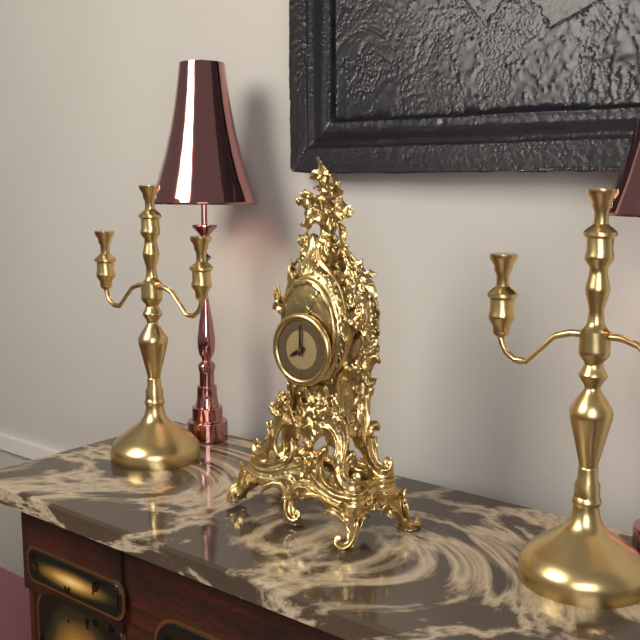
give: {"hour": 8, "minute": 0}
